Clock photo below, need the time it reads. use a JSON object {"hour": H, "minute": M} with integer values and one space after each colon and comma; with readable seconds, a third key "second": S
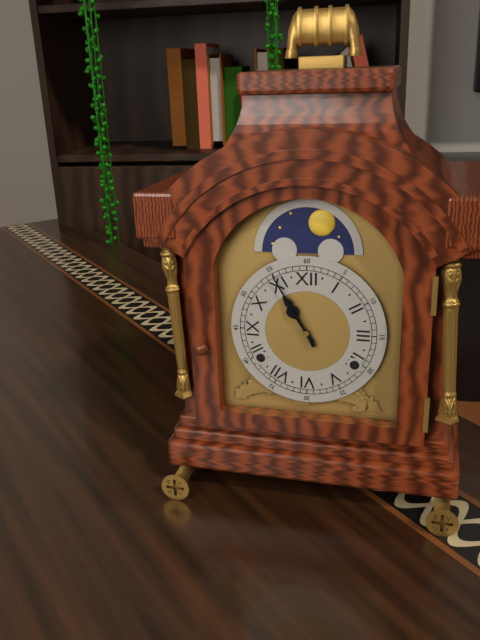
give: {"hour": 10, "minute": 55}
